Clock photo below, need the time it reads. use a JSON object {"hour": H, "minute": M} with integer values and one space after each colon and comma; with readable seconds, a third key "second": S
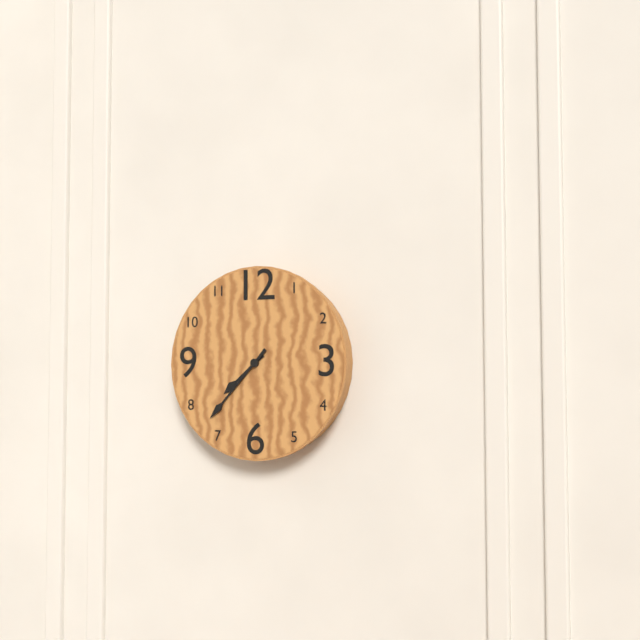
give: {"hour": 7, "minute": 37}
